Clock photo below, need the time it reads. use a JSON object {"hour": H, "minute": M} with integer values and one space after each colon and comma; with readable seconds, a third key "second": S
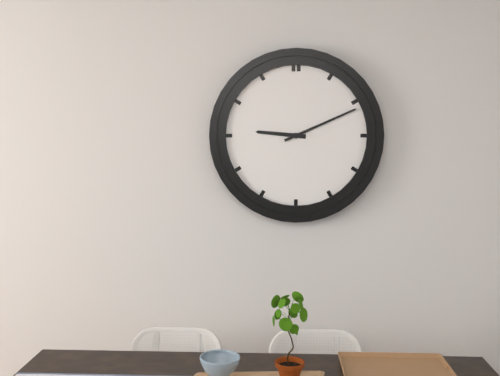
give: {"hour": 9, "minute": 11}
